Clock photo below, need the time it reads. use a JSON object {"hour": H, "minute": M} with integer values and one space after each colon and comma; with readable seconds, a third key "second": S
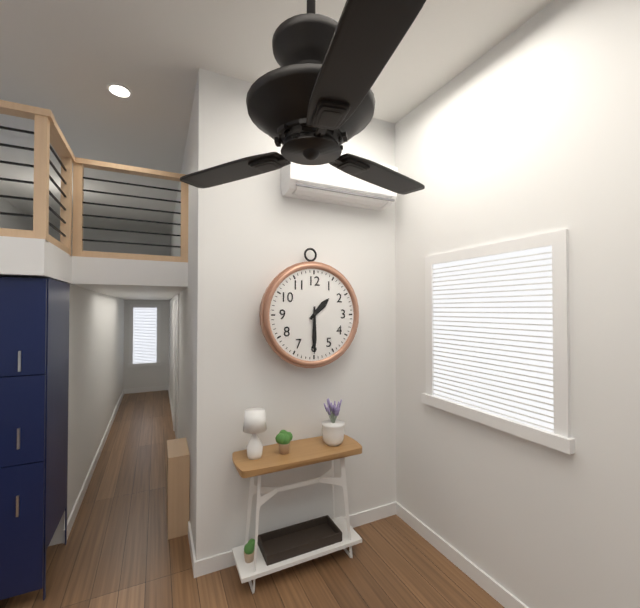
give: {"hour": 1, "minute": 30}
